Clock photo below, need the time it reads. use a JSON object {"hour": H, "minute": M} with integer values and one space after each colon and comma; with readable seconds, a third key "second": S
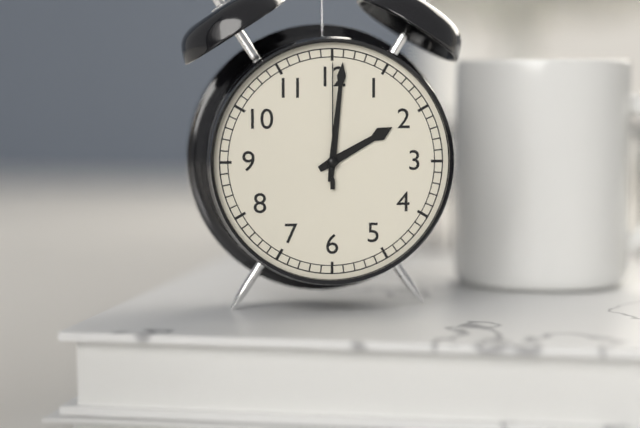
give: {"hour": 2, "minute": 1, "second": 0}
